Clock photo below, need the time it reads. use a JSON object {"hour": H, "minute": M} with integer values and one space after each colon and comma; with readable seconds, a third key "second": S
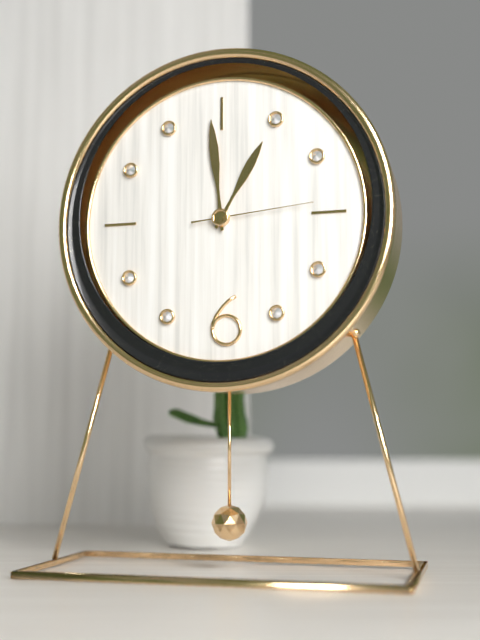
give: {"hour": 12, "minute": 59, "second": 14}
